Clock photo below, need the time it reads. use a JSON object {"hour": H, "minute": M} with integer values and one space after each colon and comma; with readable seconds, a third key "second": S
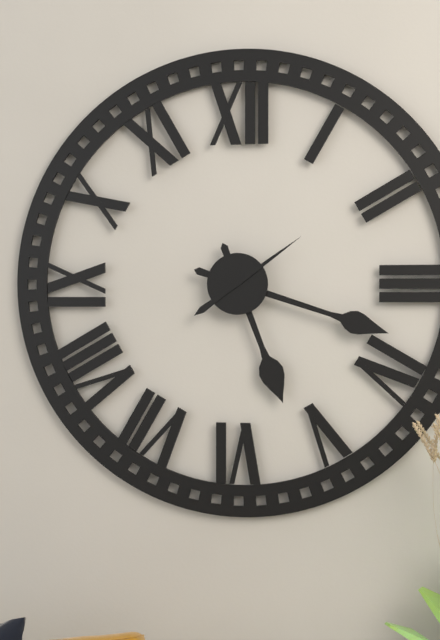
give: {"hour": 5, "minute": 18, "second": 9}
